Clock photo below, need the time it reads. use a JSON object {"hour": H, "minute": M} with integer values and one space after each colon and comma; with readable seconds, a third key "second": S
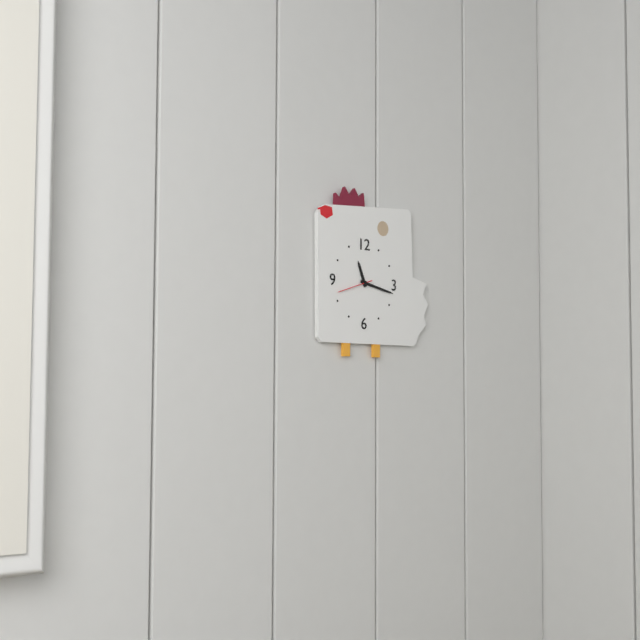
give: {"hour": 11, "minute": 17}
